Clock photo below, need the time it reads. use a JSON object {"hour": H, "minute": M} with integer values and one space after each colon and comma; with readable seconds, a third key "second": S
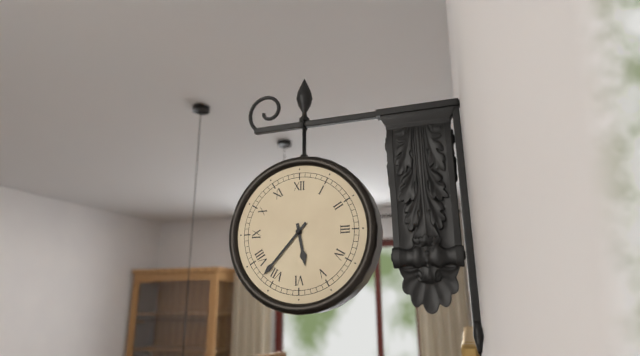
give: {"hour": 5, "minute": 37}
